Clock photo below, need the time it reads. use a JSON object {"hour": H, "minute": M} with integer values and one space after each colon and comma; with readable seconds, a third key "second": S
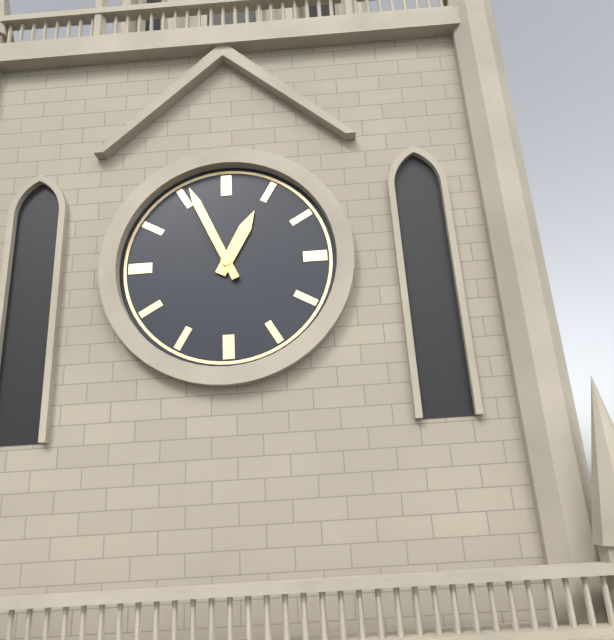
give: {"hour": 12, "minute": 56}
